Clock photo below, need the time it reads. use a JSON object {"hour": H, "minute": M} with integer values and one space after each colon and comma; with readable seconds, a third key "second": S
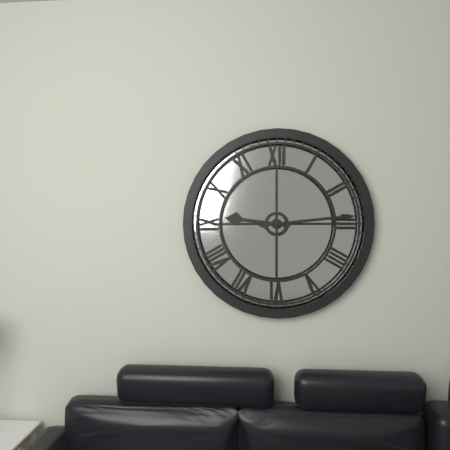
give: {"hour": 9, "minute": 14}
